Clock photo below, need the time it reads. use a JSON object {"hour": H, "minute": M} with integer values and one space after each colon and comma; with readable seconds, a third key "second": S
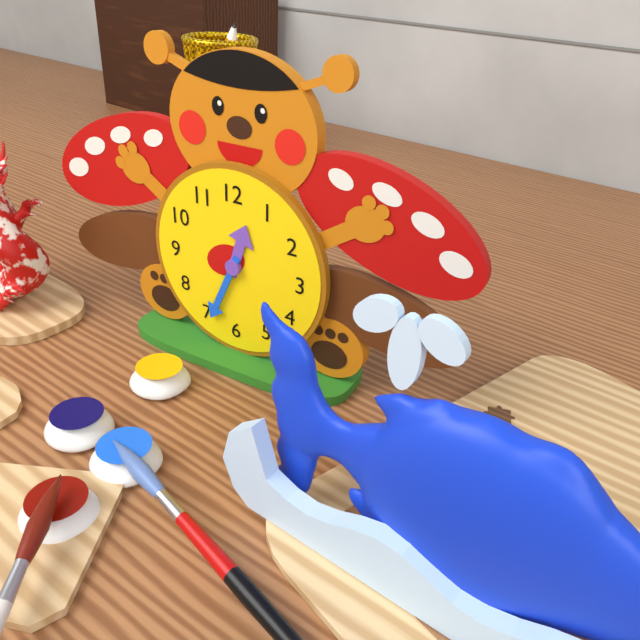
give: {"hour": 12, "minute": 34}
